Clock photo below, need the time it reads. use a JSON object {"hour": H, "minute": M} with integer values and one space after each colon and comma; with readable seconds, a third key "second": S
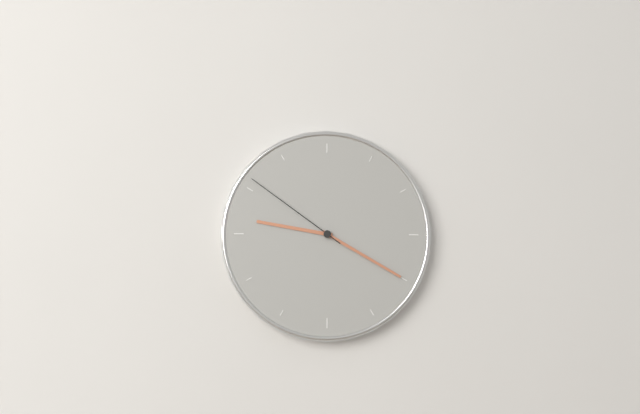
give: {"hour": 9, "minute": 20, "second": 51}
